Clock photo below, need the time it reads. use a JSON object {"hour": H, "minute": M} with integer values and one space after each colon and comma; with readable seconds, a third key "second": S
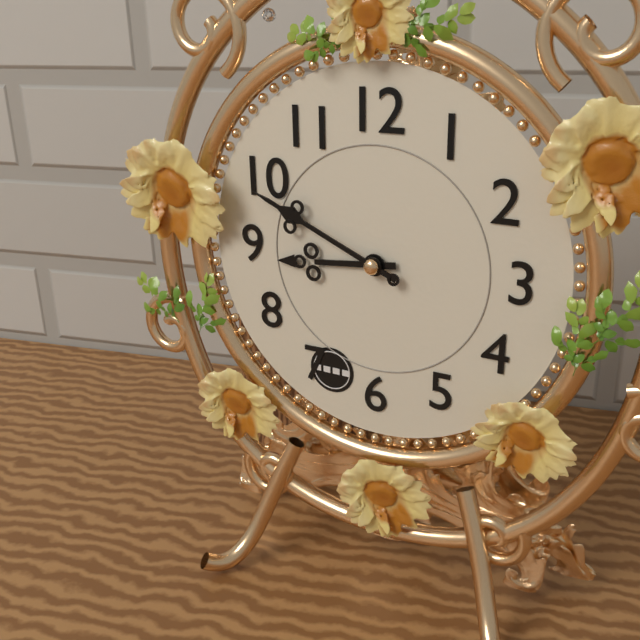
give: {"hour": 8, "minute": 49}
